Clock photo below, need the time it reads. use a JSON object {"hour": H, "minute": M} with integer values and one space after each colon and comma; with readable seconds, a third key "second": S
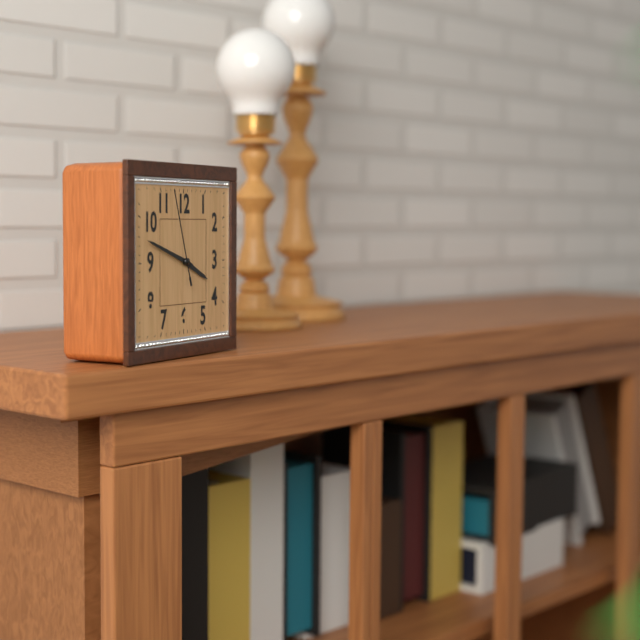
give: {"hour": 3, "minute": 48, "second": 57}
